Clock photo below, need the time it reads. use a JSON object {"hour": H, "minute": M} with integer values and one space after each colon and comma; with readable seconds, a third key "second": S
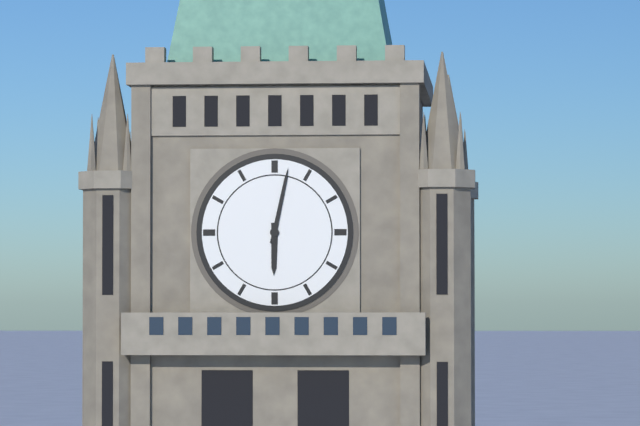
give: {"hour": 6, "minute": 2}
